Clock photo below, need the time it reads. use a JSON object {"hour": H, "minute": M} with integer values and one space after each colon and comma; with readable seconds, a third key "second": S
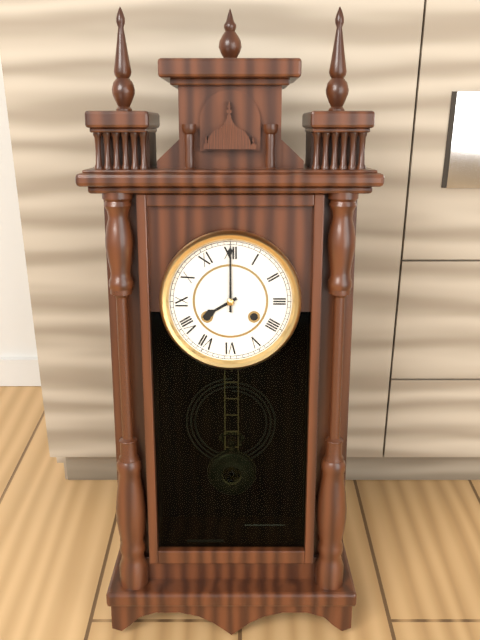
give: {"hour": 8, "minute": 0}
